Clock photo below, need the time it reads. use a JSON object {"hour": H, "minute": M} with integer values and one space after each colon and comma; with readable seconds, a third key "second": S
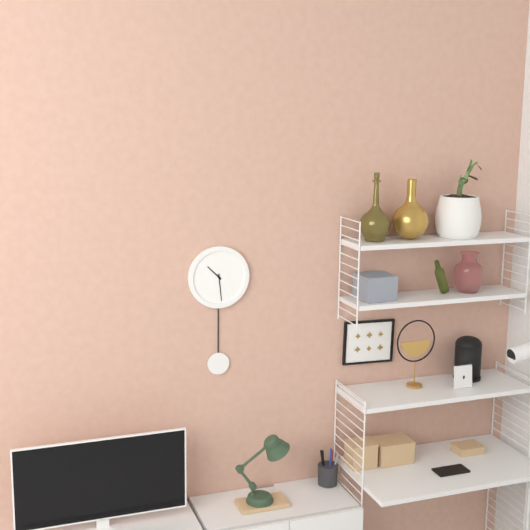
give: {"hour": 10, "minute": 29}
